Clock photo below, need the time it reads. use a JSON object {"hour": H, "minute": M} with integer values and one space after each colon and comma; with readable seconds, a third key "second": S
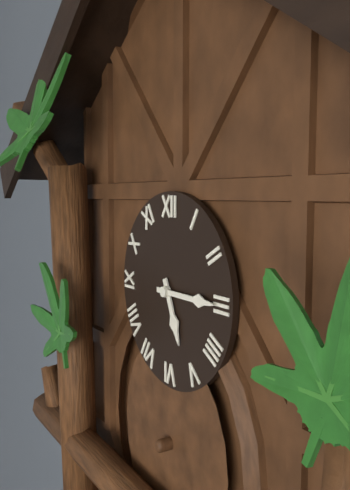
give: {"hour": 5, "minute": 15}
